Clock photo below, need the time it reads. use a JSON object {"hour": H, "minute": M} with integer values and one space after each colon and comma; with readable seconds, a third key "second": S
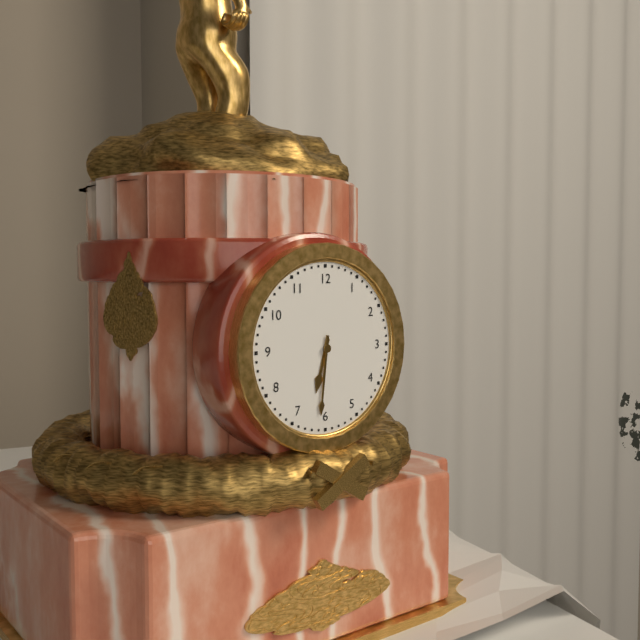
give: {"hour": 6, "minute": 31}
